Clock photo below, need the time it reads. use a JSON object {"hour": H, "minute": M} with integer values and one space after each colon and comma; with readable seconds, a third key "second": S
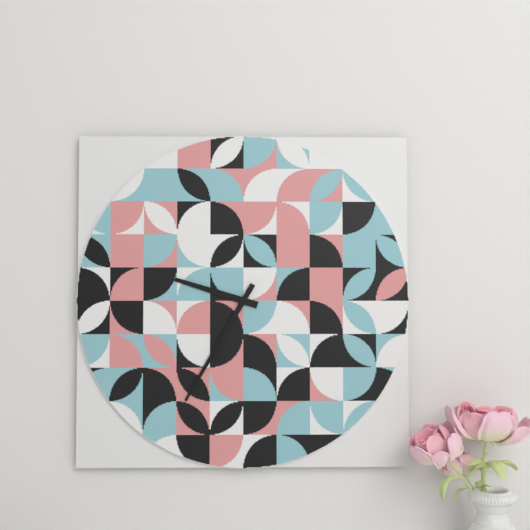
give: {"hour": 9, "minute": 35}
